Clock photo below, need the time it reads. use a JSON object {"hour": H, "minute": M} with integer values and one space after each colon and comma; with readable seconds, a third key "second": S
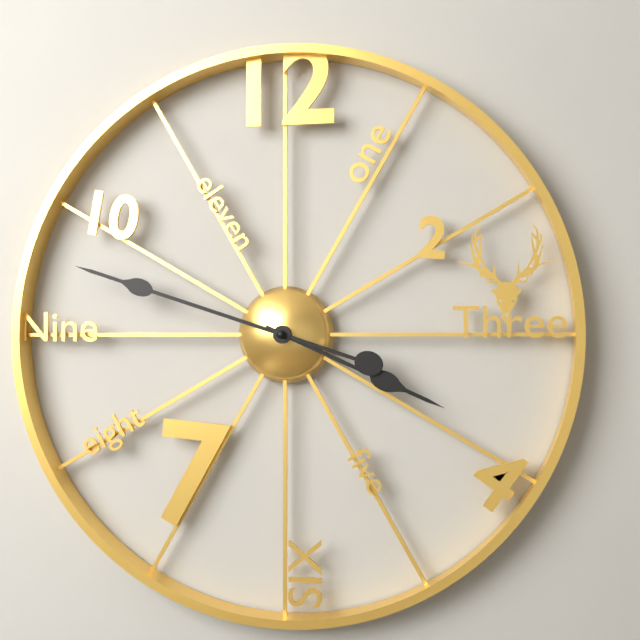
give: {"hour": 3, "minute": 48}
